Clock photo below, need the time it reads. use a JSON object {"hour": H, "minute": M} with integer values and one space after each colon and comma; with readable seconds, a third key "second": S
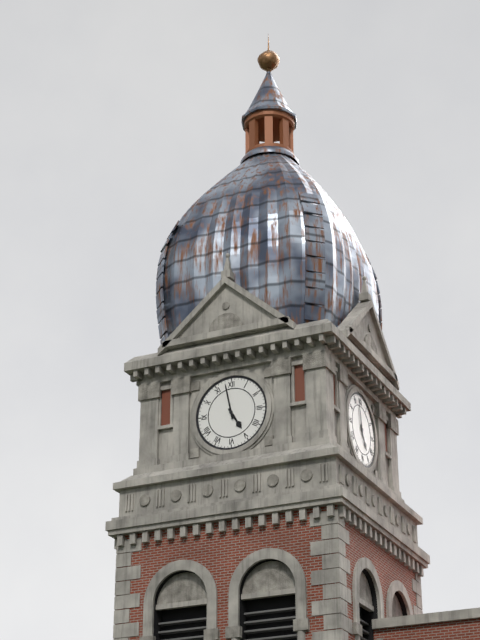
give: {"hour": 4, "minute": 58}
